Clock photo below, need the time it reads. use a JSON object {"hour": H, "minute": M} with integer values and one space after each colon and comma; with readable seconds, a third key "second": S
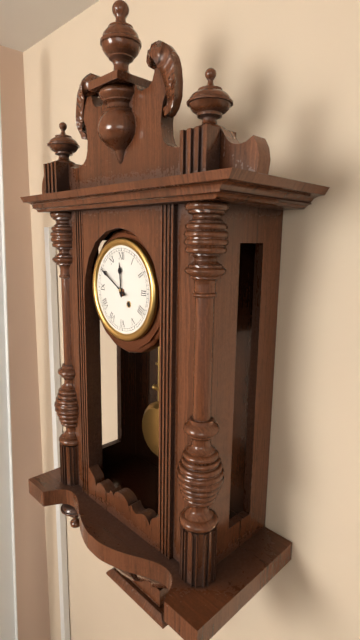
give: {"hour": 11, "minute": 50}
